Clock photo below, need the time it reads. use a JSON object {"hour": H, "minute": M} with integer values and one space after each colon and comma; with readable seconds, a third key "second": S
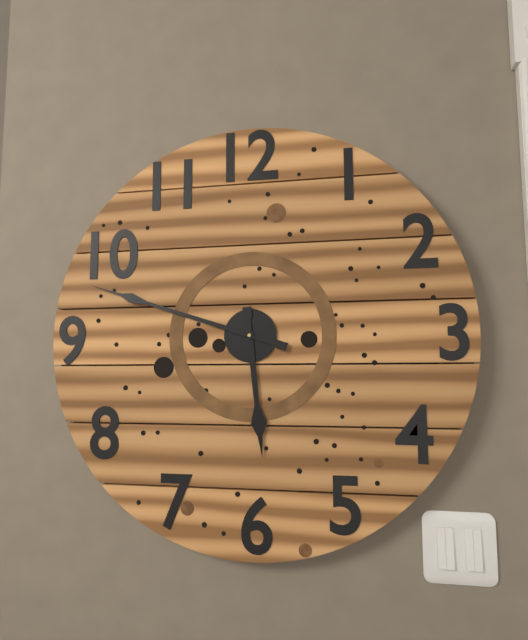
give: {"hour": 5, "minute": 48}
